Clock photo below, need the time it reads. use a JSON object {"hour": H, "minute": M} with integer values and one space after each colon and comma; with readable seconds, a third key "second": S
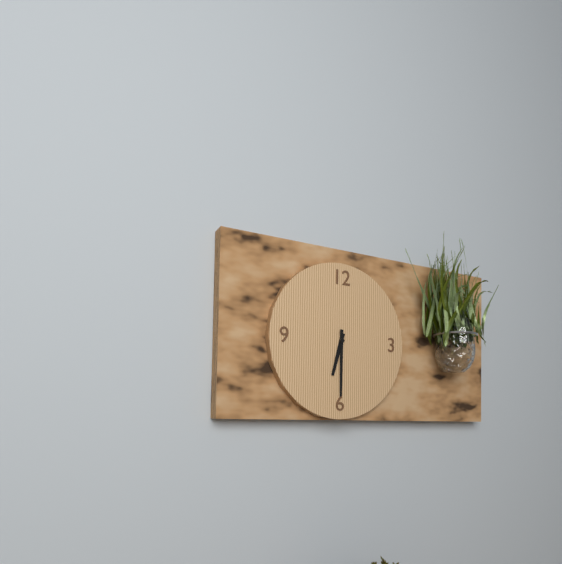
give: {"hour": 6, "minute": 30}
